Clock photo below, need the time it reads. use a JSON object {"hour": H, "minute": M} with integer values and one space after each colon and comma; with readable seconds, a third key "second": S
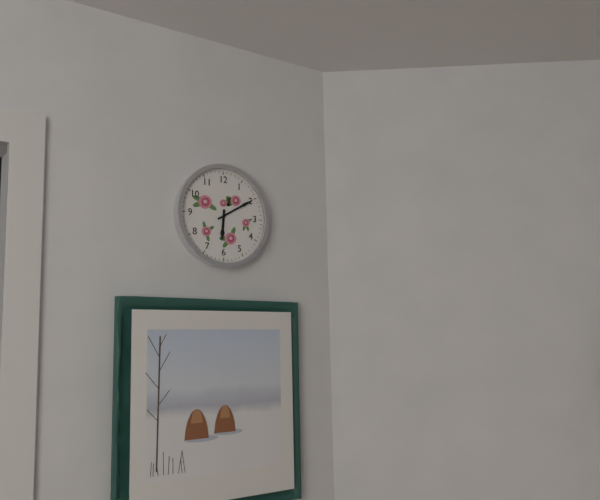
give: {"hour": 6, "minute": 10}
